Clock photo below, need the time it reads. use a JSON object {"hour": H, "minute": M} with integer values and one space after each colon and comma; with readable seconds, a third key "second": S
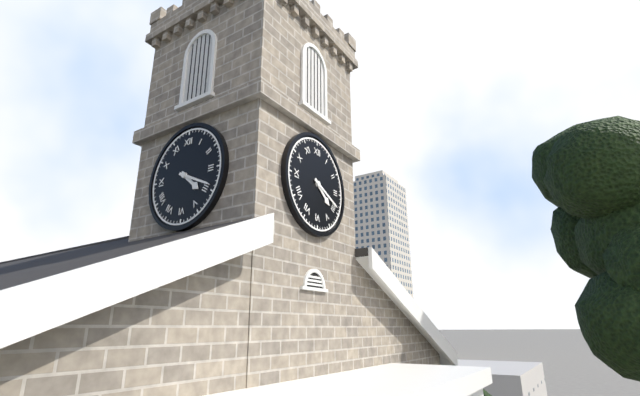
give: {"hour": 4, "minute": 19}
